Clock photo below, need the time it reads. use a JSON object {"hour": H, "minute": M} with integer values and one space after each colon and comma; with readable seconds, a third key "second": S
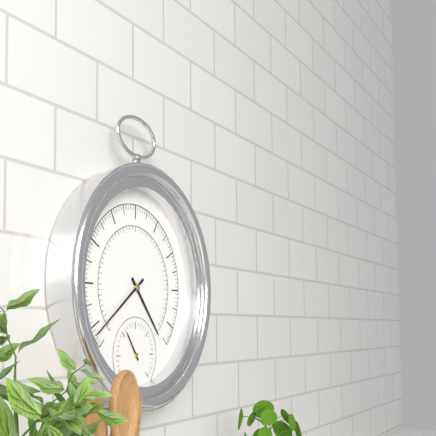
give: {"hour": 4, "minute": 39}
